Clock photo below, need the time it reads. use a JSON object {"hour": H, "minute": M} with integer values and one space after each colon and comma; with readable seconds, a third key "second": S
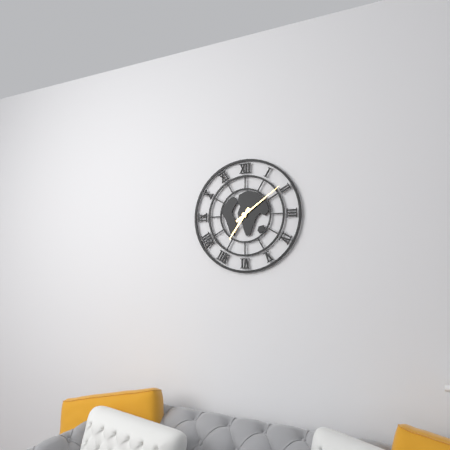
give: {"hour": 7, "minute": 9}
